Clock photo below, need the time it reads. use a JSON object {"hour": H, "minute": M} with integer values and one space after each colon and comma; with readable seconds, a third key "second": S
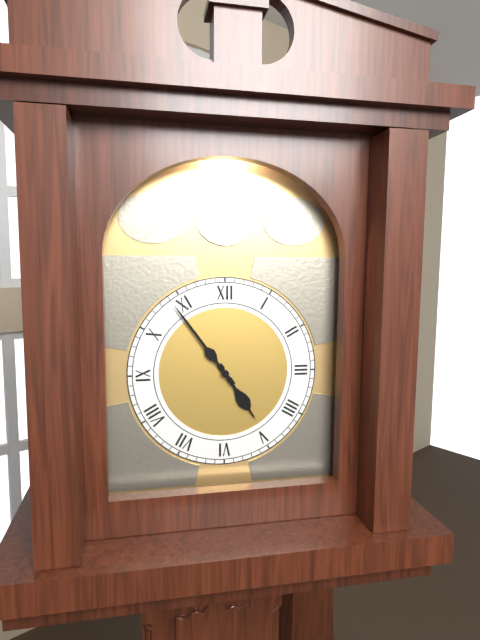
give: {"hour": 4, "minute": 54}
